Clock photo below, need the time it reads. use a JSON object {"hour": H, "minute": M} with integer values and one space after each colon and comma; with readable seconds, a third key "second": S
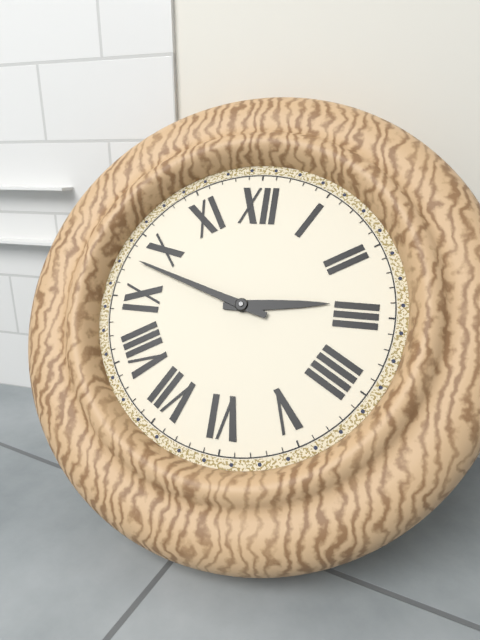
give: {"hour": 2, "minute": 48}
